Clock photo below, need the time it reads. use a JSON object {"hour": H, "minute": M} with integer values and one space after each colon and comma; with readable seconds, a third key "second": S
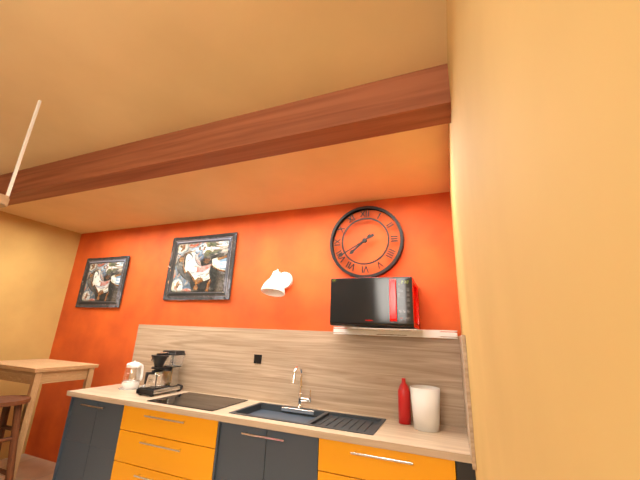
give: {"hour": 7, "minute": 40}
